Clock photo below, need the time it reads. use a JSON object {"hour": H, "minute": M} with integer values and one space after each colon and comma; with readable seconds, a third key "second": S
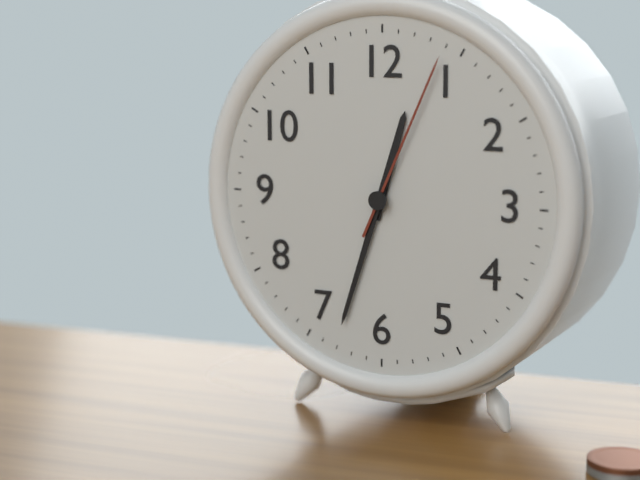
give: {"hour": 12, "minute": 33, "second": 4}
